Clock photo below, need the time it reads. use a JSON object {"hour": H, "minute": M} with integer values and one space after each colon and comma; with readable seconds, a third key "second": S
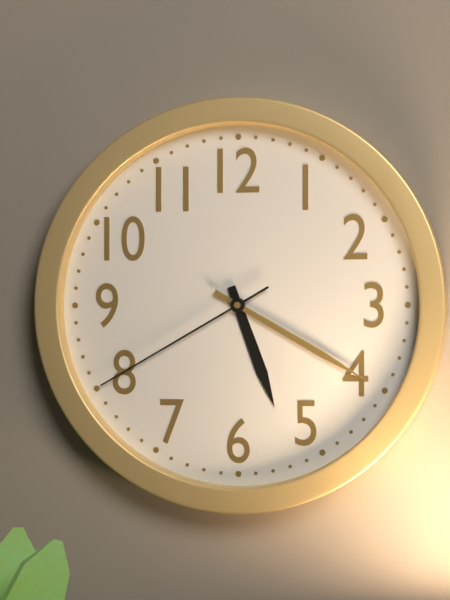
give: {"hour": 5, "minute": 20, "second": 40}
